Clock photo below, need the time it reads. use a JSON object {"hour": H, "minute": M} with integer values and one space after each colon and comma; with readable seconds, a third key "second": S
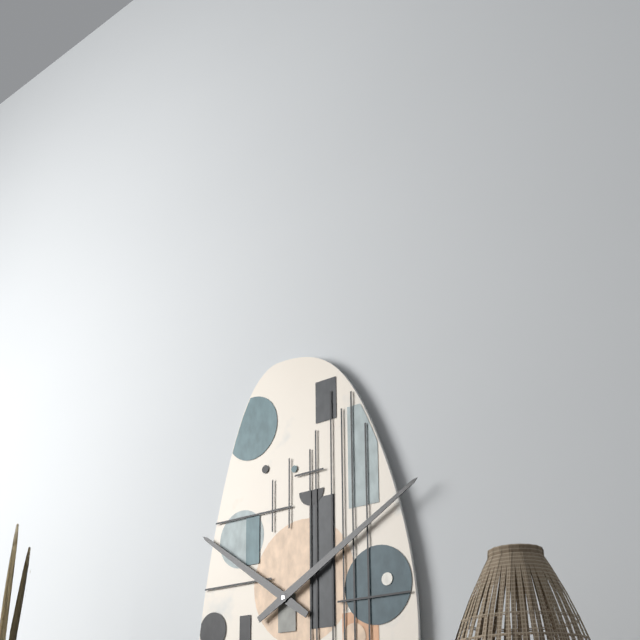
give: {"hour": 10, "minute": 10}
